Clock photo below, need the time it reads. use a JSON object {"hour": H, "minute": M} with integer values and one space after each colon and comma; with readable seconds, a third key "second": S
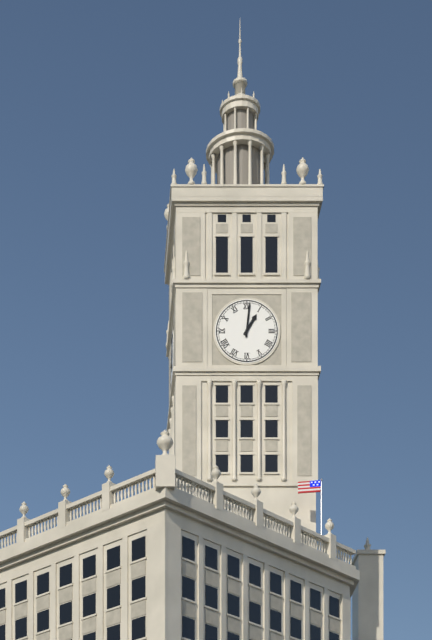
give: {"hour": 1, "minute": 1}
